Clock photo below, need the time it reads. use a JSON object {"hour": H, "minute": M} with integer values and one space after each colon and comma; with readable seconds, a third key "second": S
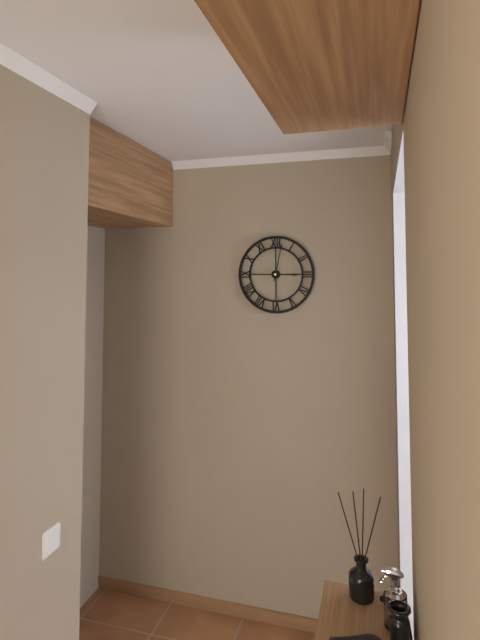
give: {"hour": 3, "minute": 2}
